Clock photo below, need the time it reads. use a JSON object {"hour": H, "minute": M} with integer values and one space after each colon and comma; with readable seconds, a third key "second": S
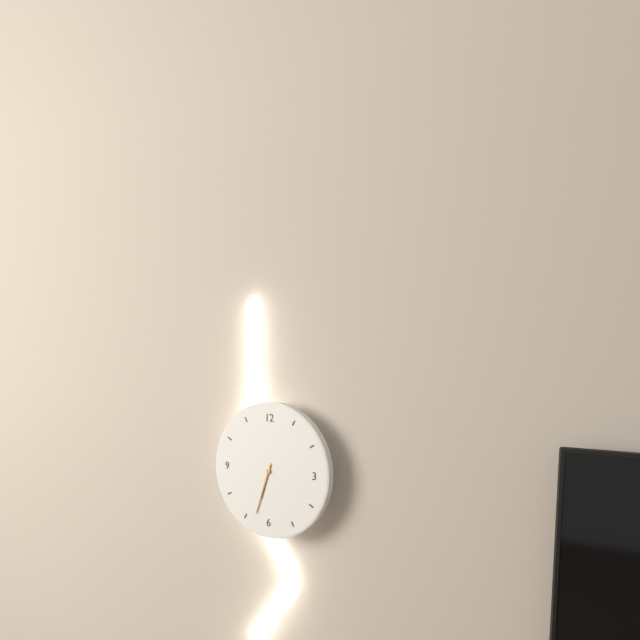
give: {"hour": 6, "minute": 33}
